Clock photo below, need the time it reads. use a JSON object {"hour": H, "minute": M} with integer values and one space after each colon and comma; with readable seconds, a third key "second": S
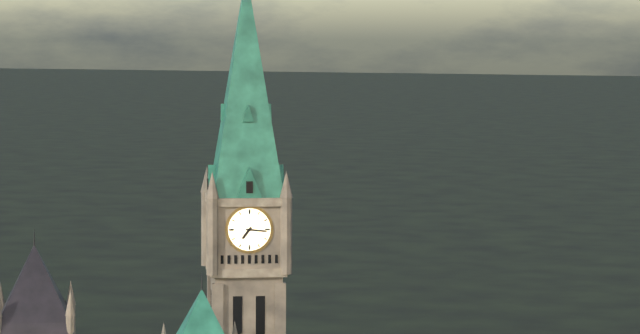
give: {"hour": 7, "minute": 16}
